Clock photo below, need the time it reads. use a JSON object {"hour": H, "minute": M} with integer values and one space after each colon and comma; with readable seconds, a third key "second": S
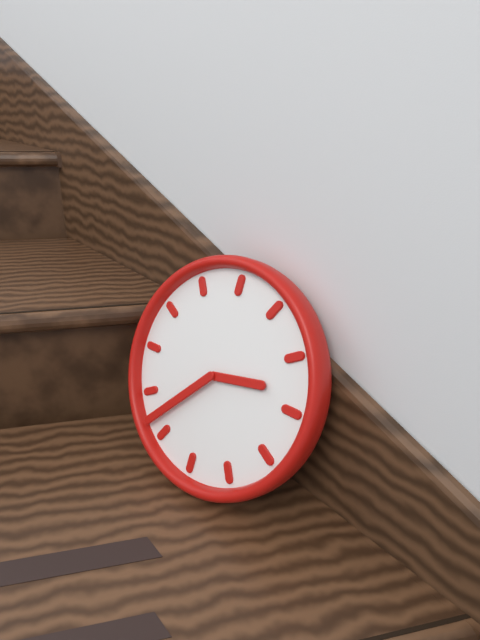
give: {"hour": 2, "minute": 37}
